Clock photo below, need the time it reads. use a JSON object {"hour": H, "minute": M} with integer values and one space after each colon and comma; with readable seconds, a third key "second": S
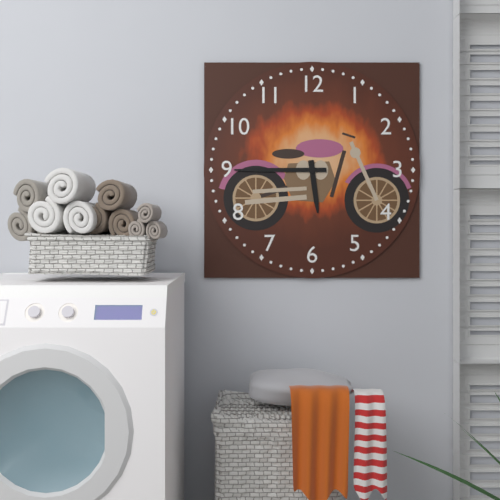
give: {"hour": 5, "minute": 45}
